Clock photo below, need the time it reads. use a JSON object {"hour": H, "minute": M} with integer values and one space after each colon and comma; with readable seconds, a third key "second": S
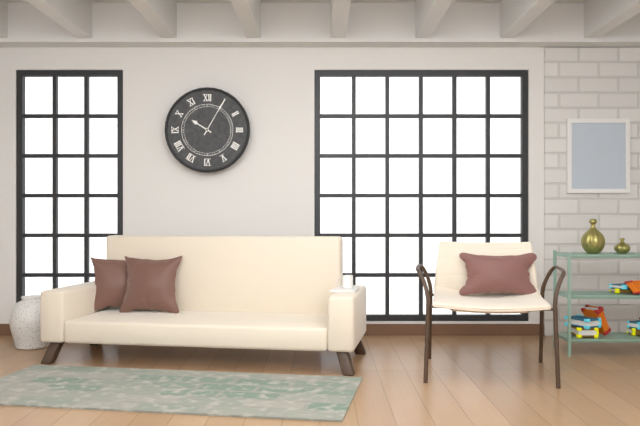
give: {"hour": 10, "minute": 5}
